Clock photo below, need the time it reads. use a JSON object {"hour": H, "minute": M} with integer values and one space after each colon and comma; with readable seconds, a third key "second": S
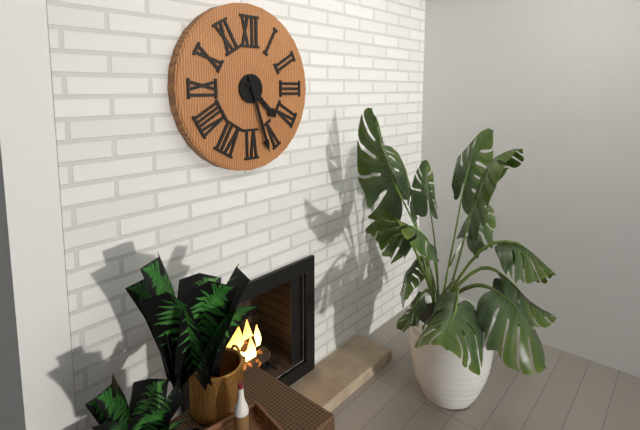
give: {"hour": 4, "minute": 27}
